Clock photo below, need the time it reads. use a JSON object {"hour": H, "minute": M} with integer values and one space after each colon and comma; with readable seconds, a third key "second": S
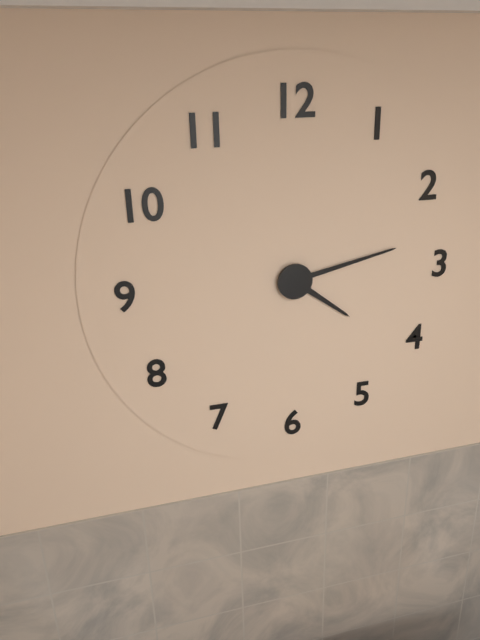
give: {"hour": 4, "minute": 13}
